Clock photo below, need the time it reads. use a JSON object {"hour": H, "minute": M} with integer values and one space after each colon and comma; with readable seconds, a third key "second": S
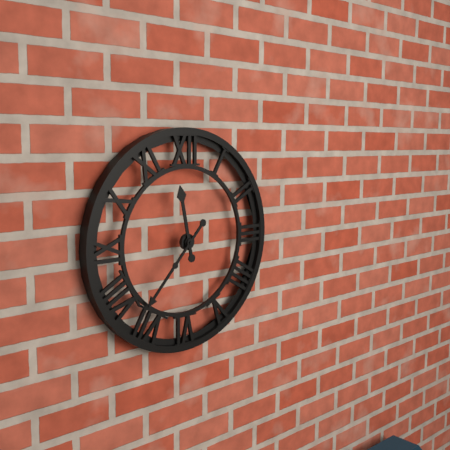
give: {"hour": 11, "minute": 37}
